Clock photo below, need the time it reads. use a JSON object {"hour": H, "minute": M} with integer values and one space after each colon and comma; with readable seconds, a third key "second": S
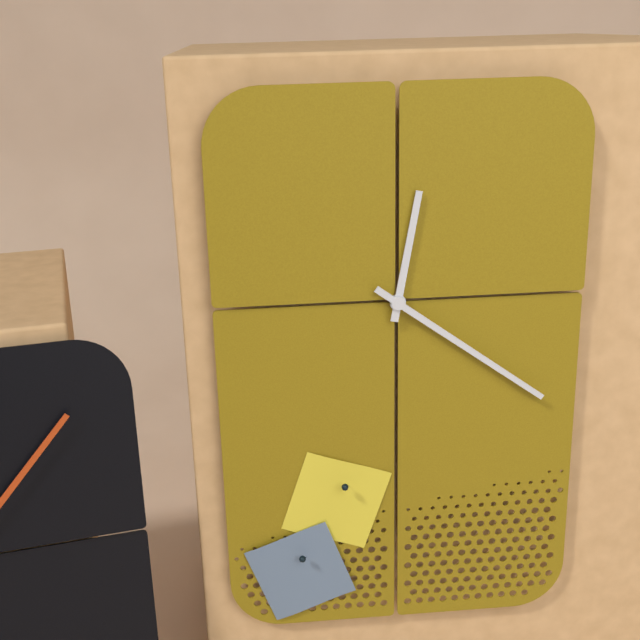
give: {"hour": 12, "minute": 21}
